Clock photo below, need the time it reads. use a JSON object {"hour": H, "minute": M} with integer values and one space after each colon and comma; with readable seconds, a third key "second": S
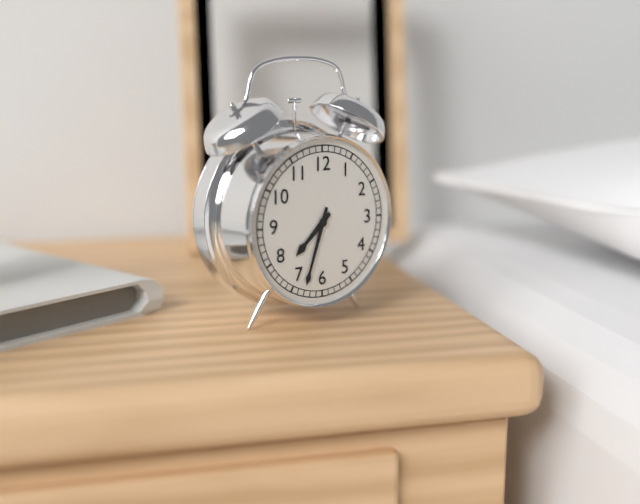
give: {"hour": 7, "minute": 33}
